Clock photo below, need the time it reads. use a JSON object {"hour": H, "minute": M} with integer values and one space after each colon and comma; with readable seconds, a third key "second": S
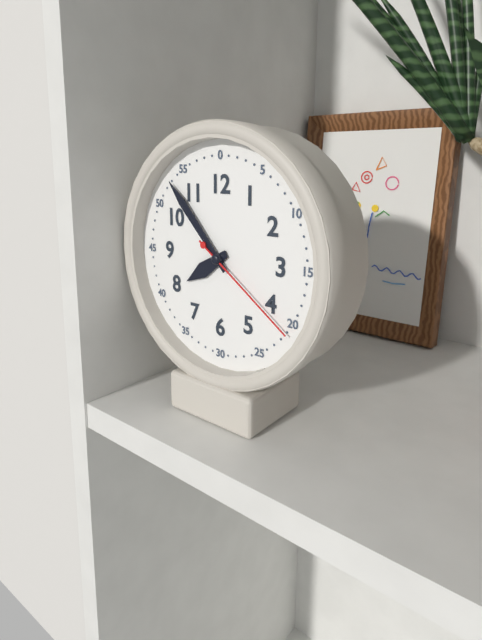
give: {"hour": 7, "minute": 53, "second": 21}
